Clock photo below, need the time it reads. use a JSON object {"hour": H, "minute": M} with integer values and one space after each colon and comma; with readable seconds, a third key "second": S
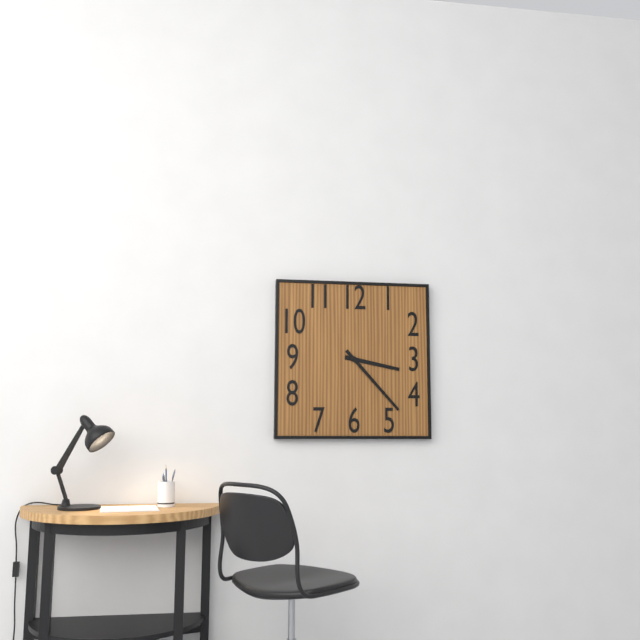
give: {"hour": 3, "minute": 23}
